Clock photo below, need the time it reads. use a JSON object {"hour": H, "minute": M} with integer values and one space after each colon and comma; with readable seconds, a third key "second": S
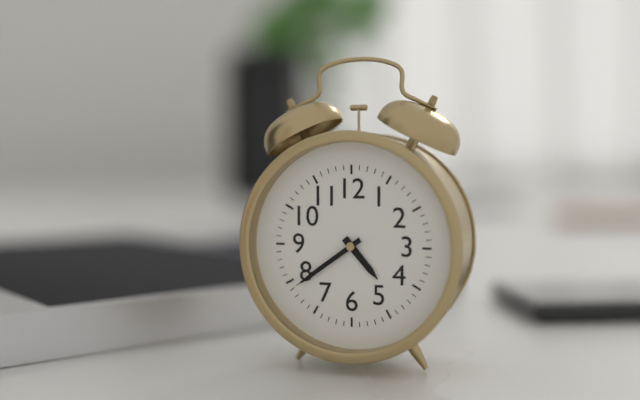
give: {"hour": 4, "minute": 39}
